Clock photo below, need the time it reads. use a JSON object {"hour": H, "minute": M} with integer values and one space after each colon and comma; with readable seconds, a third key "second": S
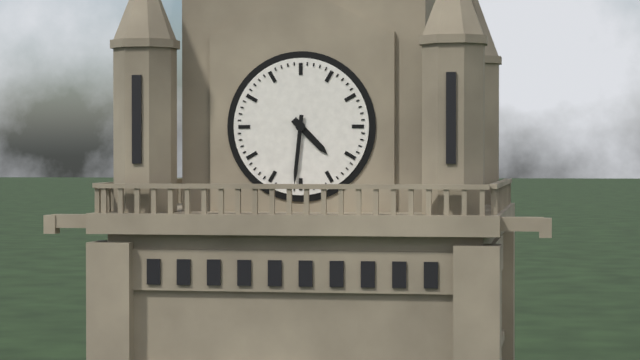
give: {"hour": 4, "minute": 31}
